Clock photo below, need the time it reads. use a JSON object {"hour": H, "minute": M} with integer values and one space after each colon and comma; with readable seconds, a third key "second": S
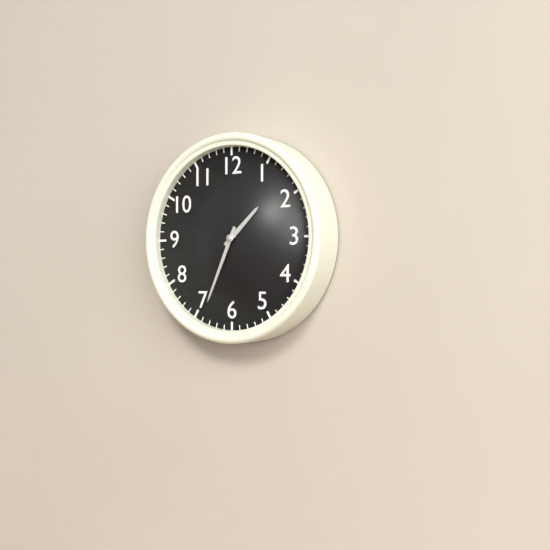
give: {"hour": 1, "minute": 34}
